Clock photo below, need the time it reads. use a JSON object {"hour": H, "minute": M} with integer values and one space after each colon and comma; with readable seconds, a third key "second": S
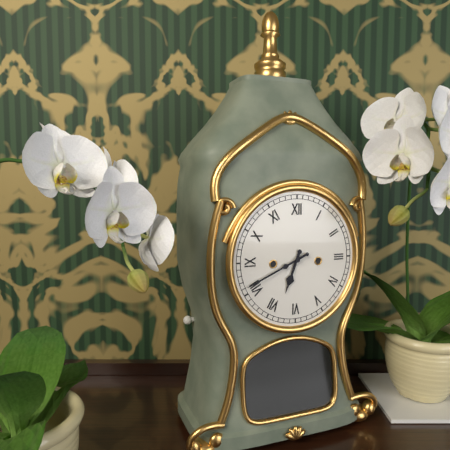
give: {"hour": 6, "minute": 41}
